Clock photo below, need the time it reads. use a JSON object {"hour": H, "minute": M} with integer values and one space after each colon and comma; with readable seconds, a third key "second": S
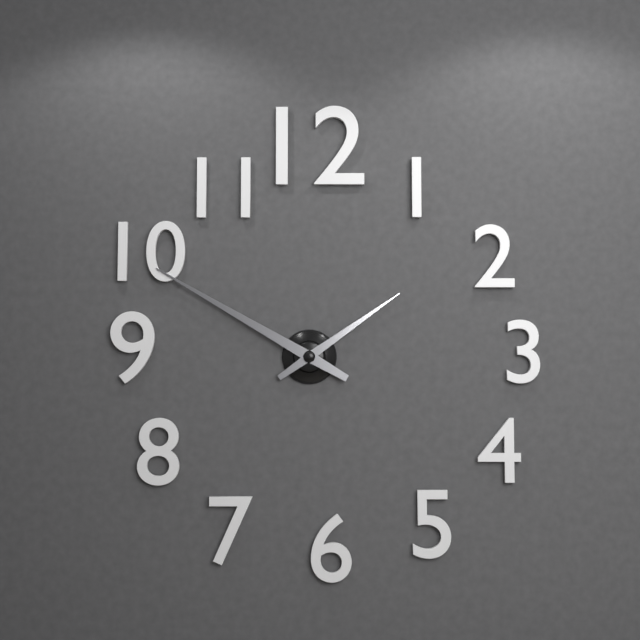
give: {"hour": 1, "minute": 50}
